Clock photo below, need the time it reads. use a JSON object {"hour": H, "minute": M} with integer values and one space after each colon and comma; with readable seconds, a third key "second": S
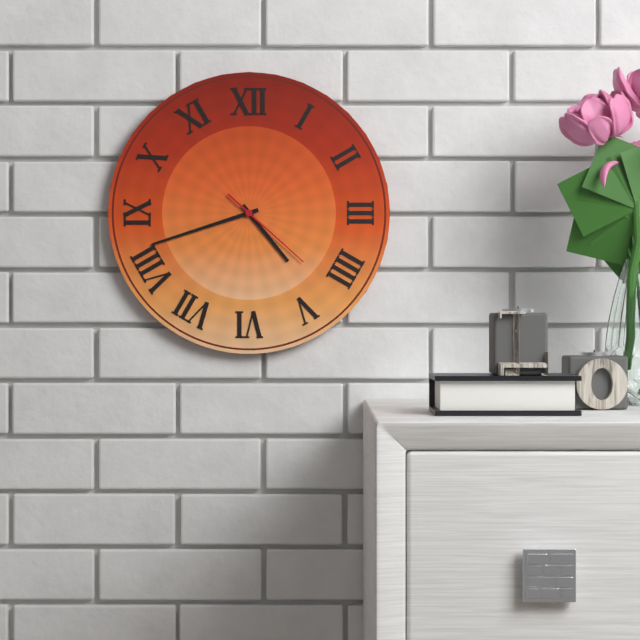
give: {"hour": 4, "minute": 42, "second": 22}
